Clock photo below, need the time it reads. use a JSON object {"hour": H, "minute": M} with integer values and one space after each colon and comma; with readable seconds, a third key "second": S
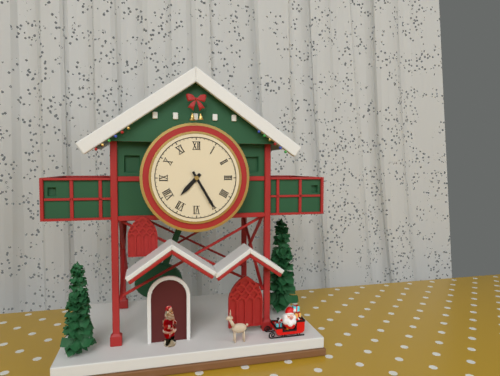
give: {"hour": 7, "minute": 25}
